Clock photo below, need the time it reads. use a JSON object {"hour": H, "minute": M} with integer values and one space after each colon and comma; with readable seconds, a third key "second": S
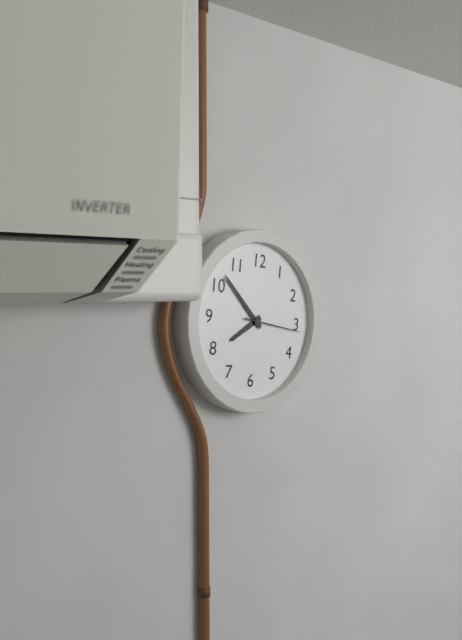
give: {"hour": 7, "minute": 52, "second": 16}
